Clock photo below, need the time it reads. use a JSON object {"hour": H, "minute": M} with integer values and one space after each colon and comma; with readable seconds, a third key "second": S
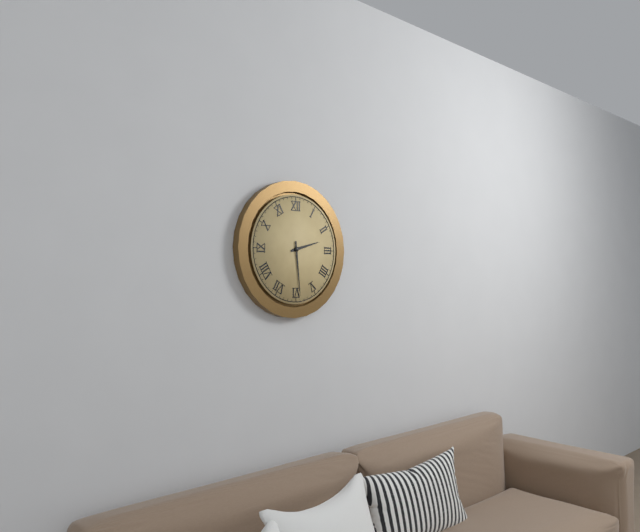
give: {"hour": 2, "minute": 29}
